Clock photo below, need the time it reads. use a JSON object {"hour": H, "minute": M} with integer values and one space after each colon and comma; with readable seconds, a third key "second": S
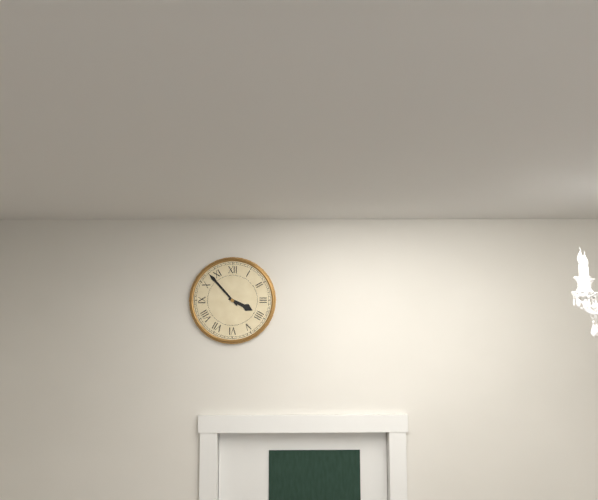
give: {"hour": 3, "minute": 53}
